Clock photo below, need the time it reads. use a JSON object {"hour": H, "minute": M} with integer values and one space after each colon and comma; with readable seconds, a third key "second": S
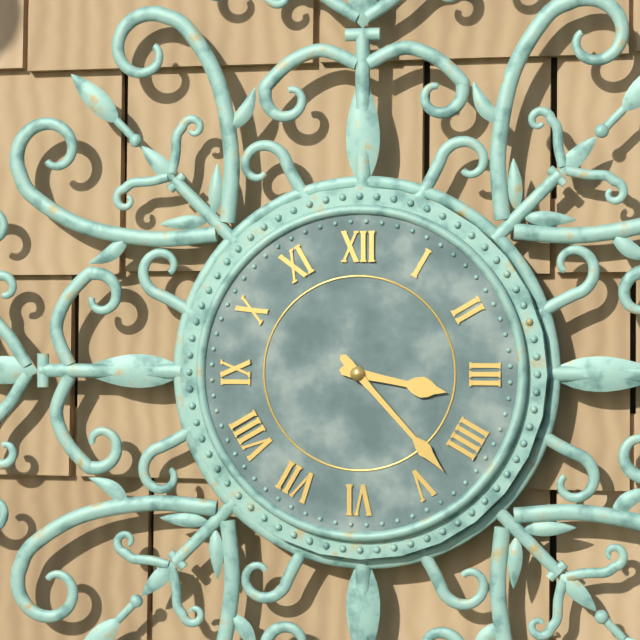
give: {"hour": 3, "minute": 23}
